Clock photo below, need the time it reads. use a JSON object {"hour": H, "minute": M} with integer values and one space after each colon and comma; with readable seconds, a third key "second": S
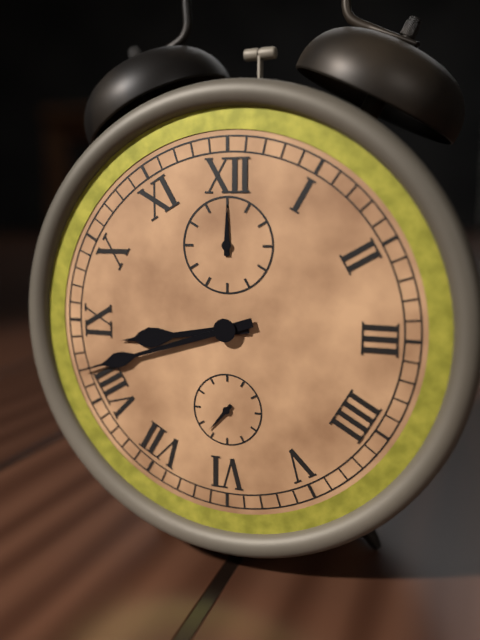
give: {"hour": 8, "minute": 42}
